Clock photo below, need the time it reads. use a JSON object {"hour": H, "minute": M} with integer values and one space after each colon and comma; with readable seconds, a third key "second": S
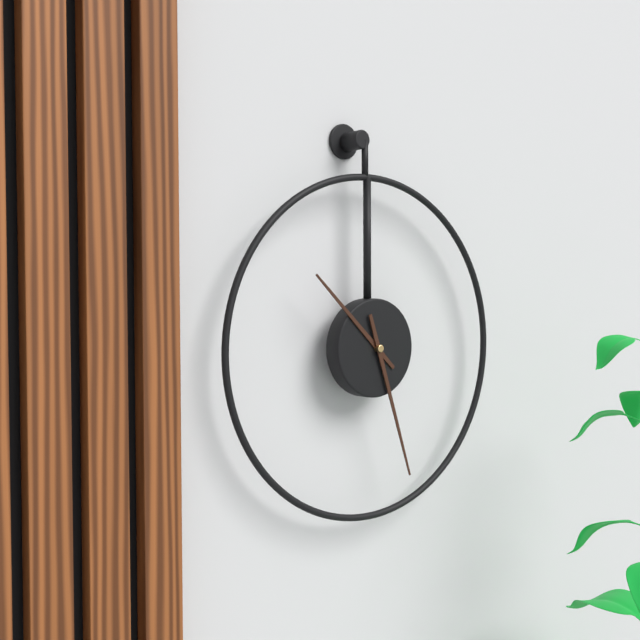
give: {"hour": 10, "minute": 27}
